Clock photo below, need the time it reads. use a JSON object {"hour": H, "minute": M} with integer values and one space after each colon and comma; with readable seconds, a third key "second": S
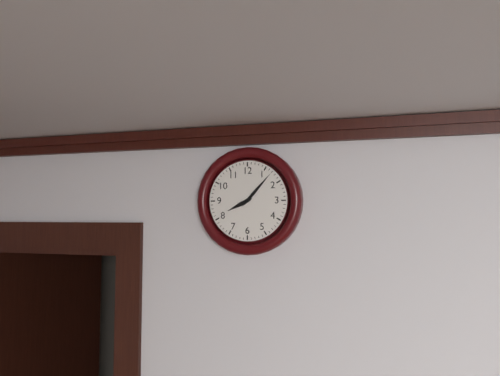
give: {"hour": 8, "minute": 7}
